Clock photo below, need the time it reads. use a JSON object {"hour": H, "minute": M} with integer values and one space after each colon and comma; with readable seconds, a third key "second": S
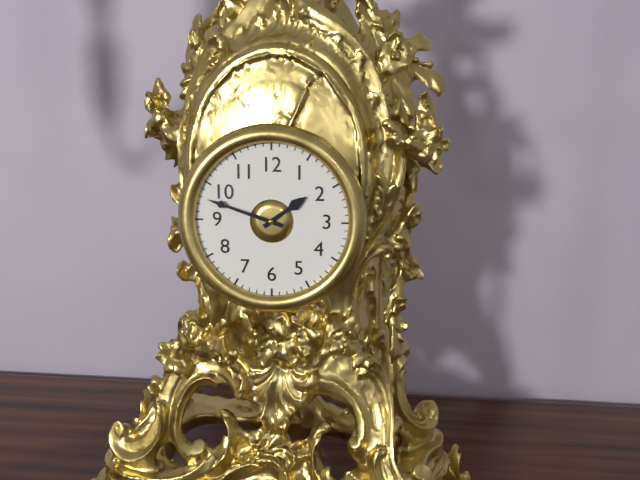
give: {"hour": 1, "minute": 48}
